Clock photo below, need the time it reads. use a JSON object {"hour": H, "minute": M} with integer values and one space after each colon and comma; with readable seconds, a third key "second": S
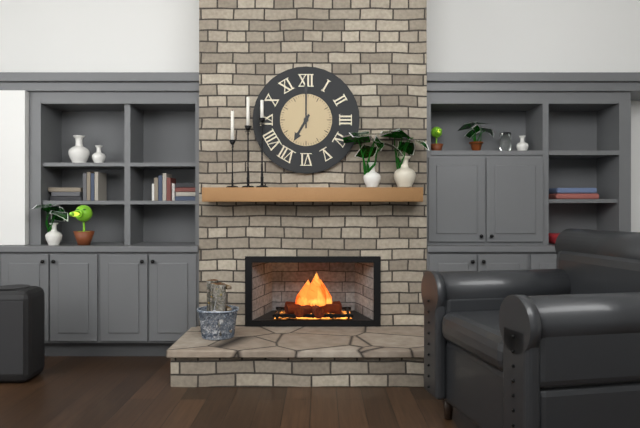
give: {"hour": 7, "minute": 0}
